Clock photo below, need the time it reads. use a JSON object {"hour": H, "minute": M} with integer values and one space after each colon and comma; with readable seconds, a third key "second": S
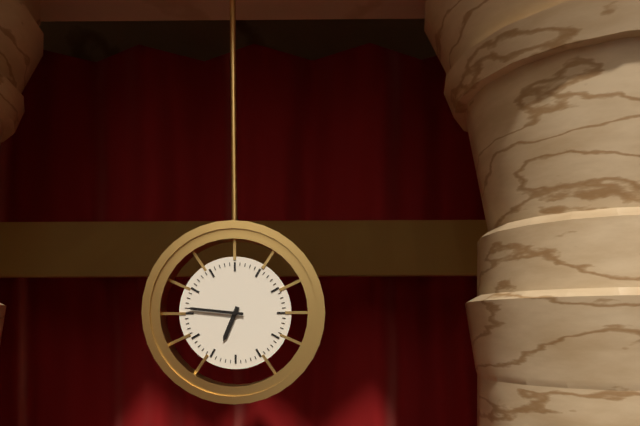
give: {"hour": 6, "minute": 46}
